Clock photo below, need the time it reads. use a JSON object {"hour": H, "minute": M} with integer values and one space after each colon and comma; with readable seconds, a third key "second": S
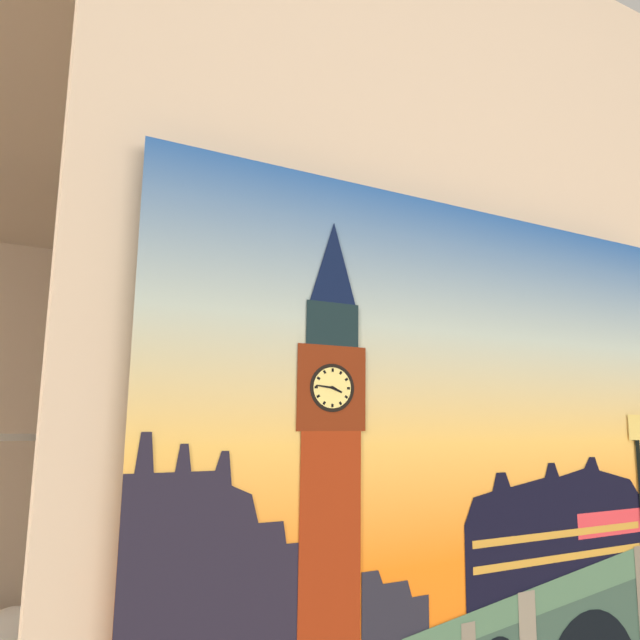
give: {"hour": 3, "minute": 46}
